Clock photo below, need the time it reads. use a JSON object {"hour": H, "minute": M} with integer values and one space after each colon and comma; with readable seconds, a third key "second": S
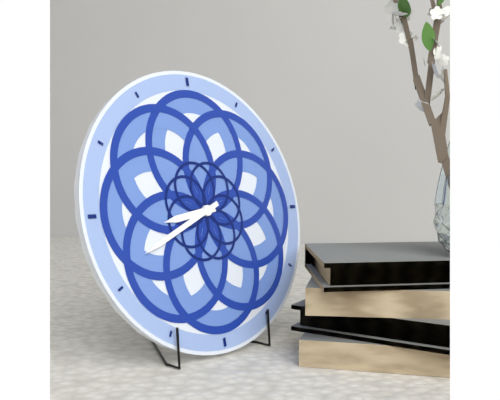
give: {"hour": 8, "minute": 41}
